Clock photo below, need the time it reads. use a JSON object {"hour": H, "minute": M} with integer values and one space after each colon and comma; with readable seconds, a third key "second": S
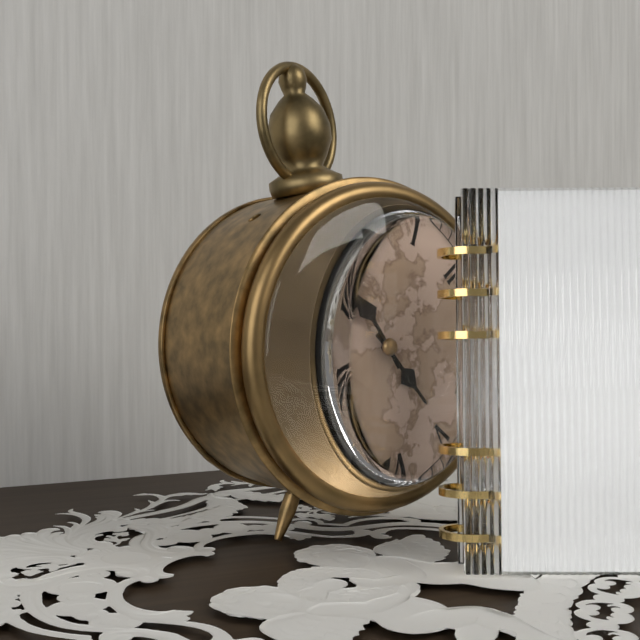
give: {"hour": 4, "minute": 56}
